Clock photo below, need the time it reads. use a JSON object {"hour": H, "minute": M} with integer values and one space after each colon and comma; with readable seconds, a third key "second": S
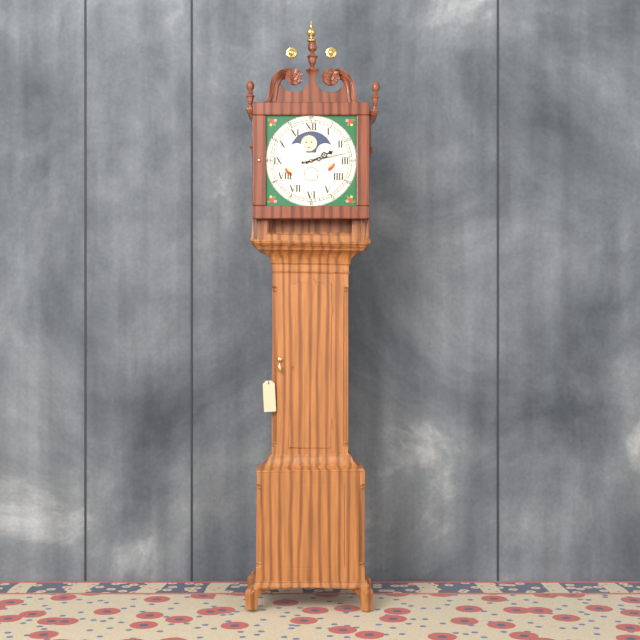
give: {"hour": 2, "minute": 13}
